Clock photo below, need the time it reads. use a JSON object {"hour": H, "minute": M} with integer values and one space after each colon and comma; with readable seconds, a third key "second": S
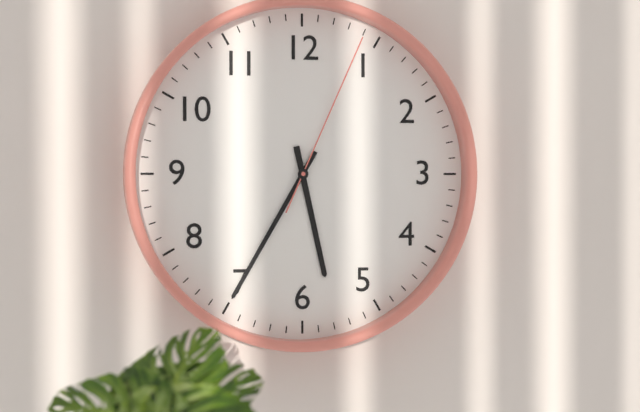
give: {"hour": 5, "minute": 35, "second": 4}
